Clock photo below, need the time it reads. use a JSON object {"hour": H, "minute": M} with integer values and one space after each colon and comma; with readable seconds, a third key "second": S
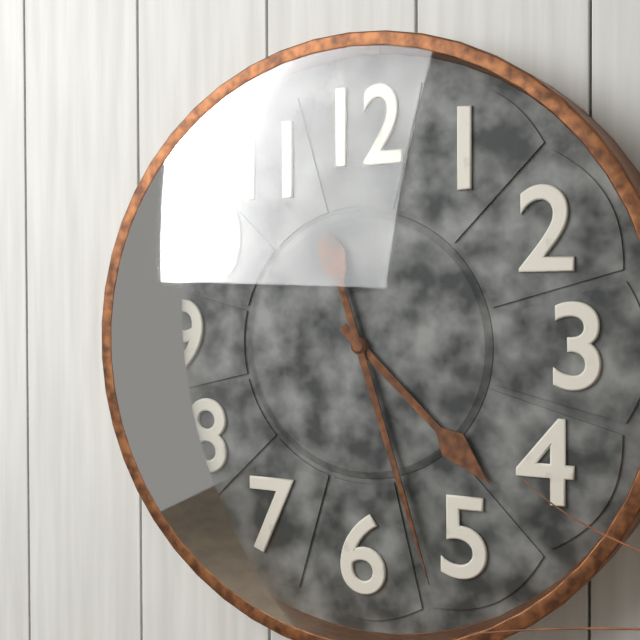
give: {"hour": 4, "minute": 27}
